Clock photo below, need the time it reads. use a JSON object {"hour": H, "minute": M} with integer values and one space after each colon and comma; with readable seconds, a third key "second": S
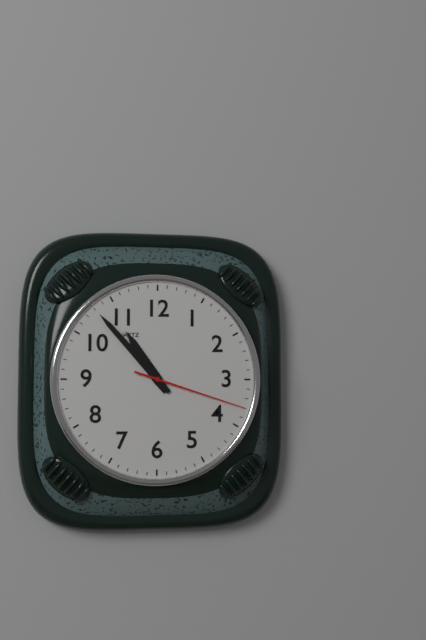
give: {"hour": 10, "minute": 53, "second": 18}
